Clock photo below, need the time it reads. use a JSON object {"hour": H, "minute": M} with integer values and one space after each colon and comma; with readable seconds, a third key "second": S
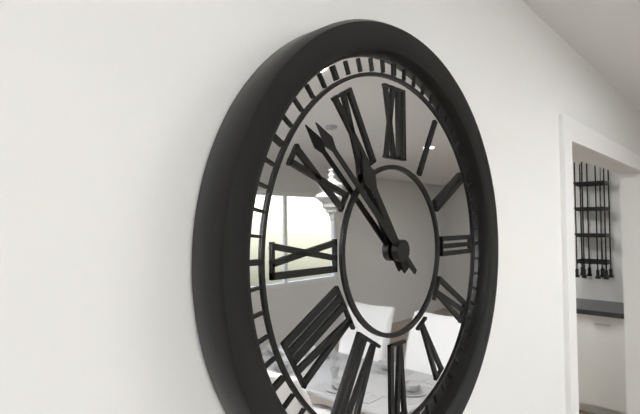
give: {"hour": 10, "minute": 52}
